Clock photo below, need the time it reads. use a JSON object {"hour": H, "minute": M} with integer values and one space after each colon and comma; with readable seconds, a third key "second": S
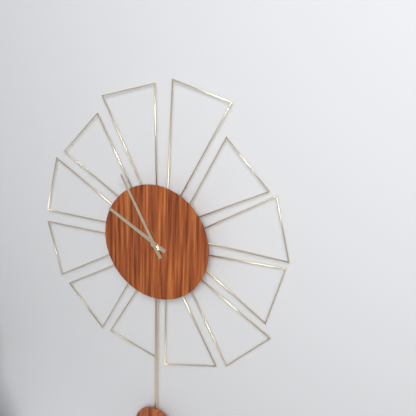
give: {"hour": 9, "minute": 55}
